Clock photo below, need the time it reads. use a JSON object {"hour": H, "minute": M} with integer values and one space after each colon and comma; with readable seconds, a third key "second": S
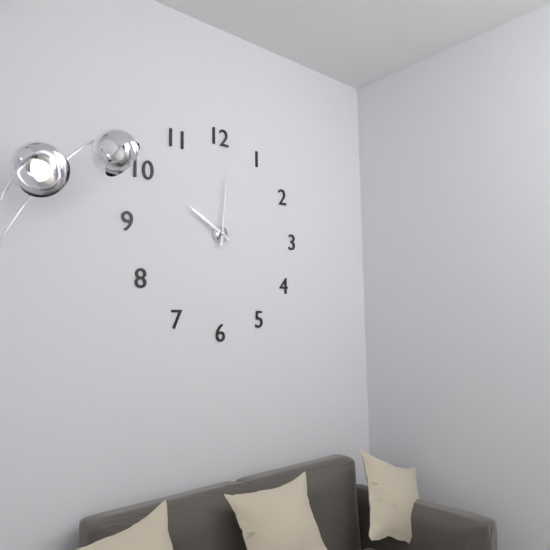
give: {"hour": 10, "minute": 1}
